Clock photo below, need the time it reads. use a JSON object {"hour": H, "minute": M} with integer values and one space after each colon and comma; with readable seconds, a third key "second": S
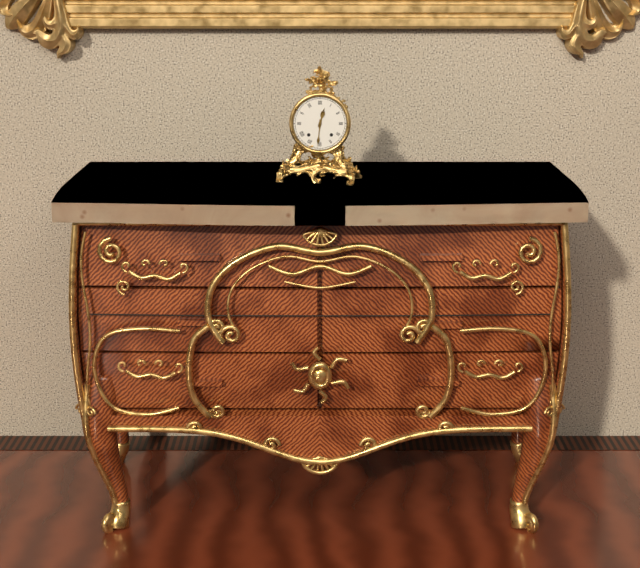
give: {"hour": 12, "minute": 31}
